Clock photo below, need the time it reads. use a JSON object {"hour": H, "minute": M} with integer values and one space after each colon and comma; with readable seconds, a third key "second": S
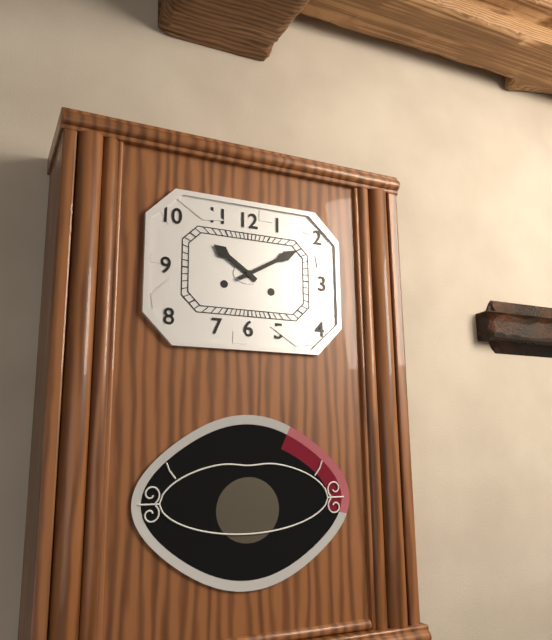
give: {"hour": 10, "minute": 10}
